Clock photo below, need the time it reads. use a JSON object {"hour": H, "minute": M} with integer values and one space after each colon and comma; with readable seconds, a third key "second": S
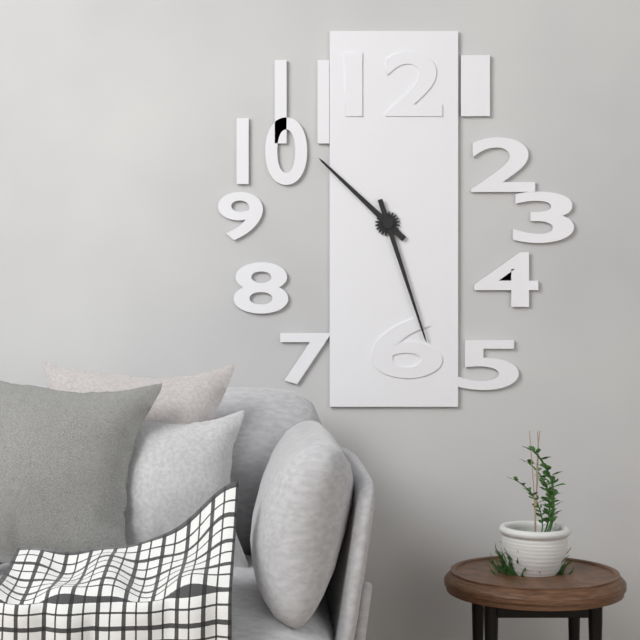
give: {"hour": 10, "minute": 27}
